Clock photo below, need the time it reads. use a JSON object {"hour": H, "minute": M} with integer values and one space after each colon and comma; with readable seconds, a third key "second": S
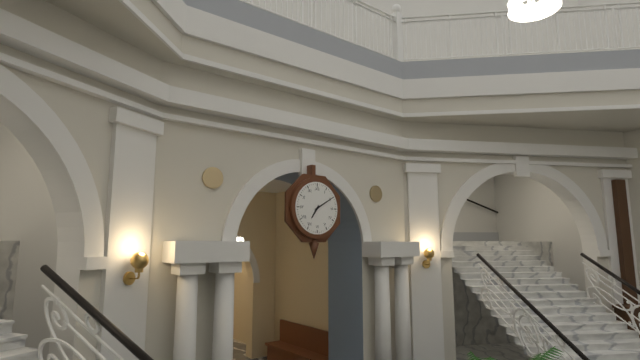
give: {"hour": 7, "minute": 10}
